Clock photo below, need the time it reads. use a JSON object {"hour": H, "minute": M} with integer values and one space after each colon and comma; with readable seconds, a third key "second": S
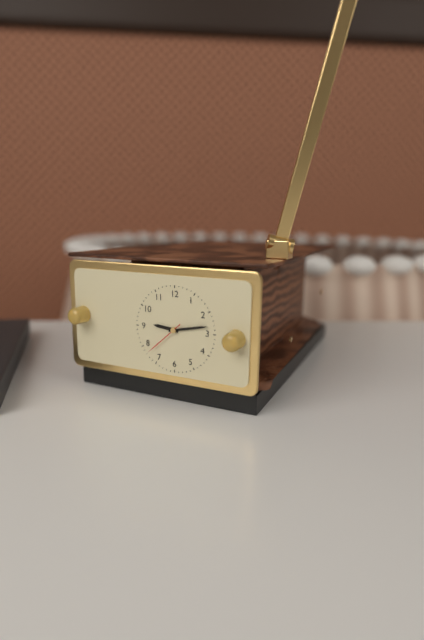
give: {"hour": 9, "minute": 13}
